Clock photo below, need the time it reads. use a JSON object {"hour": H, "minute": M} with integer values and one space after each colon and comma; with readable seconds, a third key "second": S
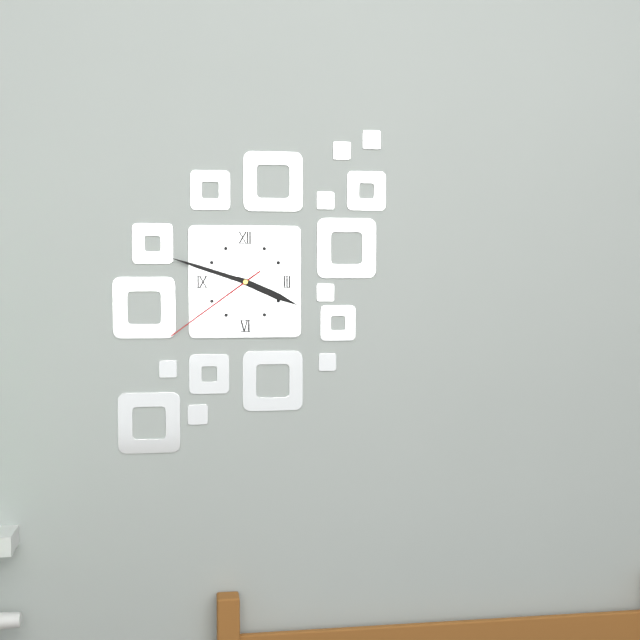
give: {"hour": 3, "minute": 48, "second": 39}
